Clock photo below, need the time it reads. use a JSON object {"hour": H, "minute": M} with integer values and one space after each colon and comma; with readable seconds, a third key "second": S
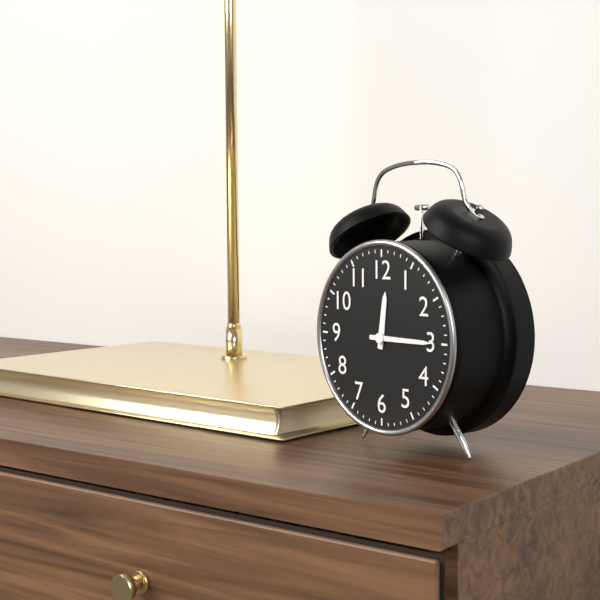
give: {"hour": 12, "minute": 15}
